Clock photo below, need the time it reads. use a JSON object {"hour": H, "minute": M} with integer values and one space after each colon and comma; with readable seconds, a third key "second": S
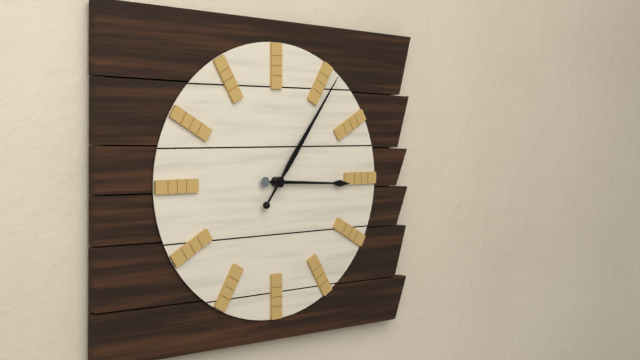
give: {"hour": 3, "minute": 6}
